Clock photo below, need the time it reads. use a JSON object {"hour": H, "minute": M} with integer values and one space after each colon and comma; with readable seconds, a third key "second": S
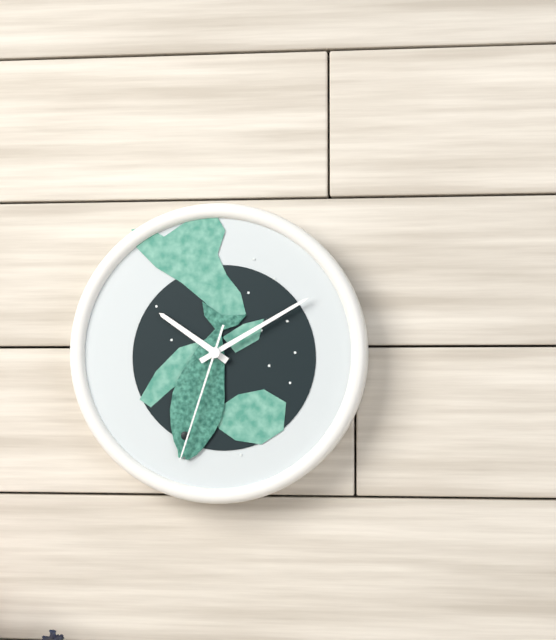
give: {"hour": 10, "minute": 10, "second": 33}
